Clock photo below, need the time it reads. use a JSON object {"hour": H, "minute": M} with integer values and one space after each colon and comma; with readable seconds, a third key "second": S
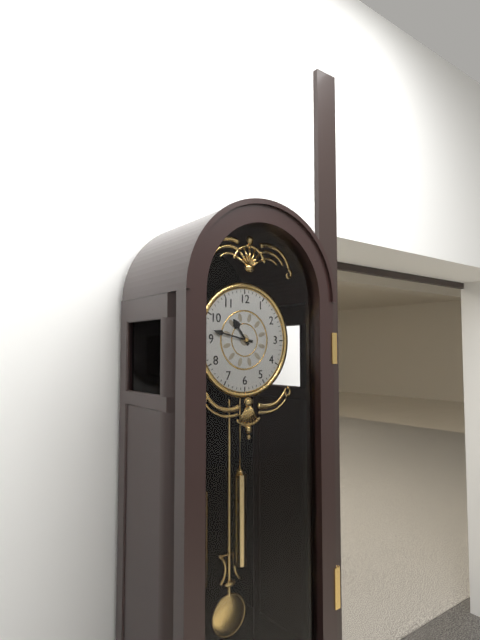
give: {"hour": 10, "minute": 47}
